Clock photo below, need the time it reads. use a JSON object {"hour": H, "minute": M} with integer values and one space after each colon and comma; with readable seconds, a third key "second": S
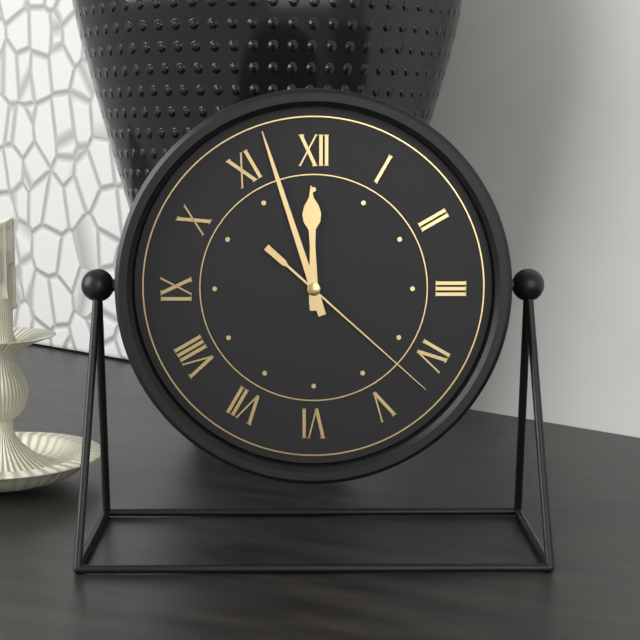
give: {"hour": 11, "minute": 57, "second": 22}
